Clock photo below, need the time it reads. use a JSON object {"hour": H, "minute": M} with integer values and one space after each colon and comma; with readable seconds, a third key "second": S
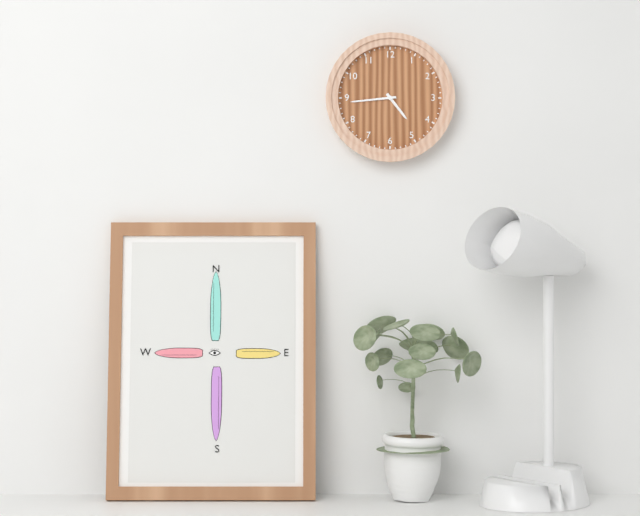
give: {"hour": 4, "minute": 44}
